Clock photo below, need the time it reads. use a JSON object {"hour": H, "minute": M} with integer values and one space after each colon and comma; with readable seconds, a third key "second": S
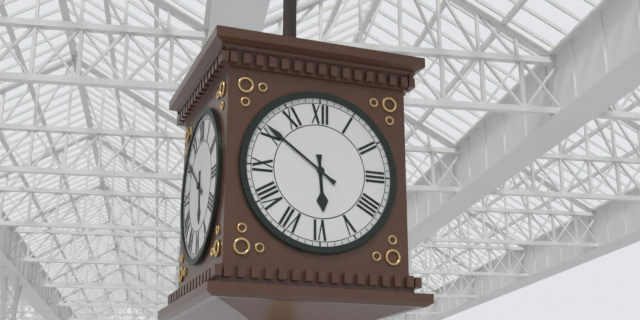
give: {"hour": 5, "minute": 51}
